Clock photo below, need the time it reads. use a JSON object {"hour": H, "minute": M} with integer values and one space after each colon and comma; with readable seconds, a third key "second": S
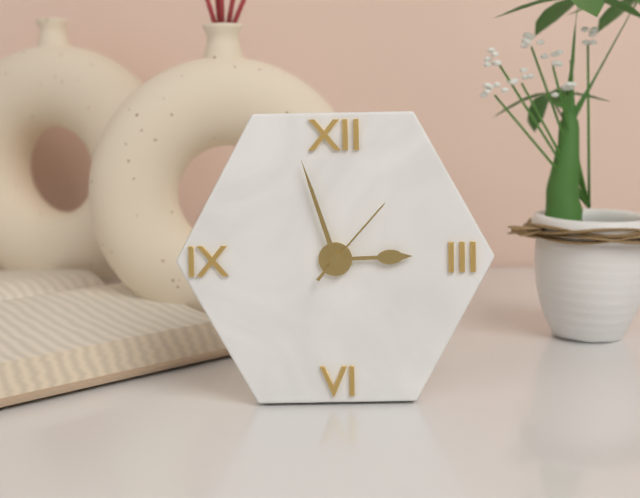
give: {"hour": 2, "minute": 57, "second": 7}
